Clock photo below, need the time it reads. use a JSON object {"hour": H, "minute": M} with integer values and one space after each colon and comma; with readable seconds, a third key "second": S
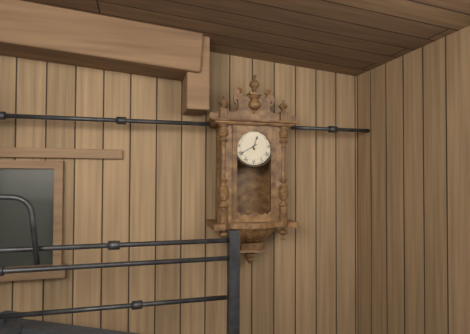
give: {"hour": 12, "minute": 40}
